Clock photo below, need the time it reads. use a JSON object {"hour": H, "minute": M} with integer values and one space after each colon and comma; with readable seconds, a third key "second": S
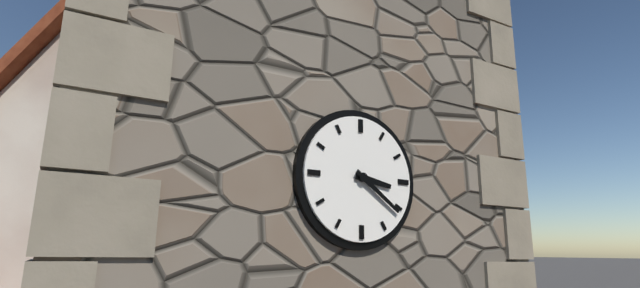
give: {"hour": 3, "minute": 21}
